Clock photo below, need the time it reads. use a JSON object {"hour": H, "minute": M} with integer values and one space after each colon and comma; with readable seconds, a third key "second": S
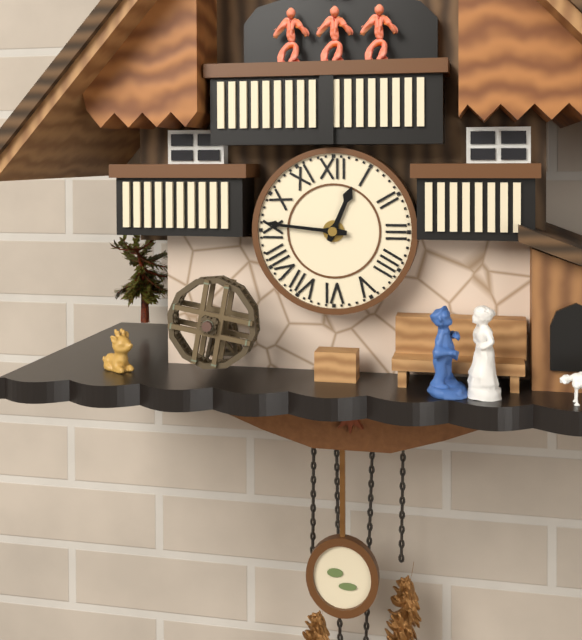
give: {"hour": 12, "minute": 46}
